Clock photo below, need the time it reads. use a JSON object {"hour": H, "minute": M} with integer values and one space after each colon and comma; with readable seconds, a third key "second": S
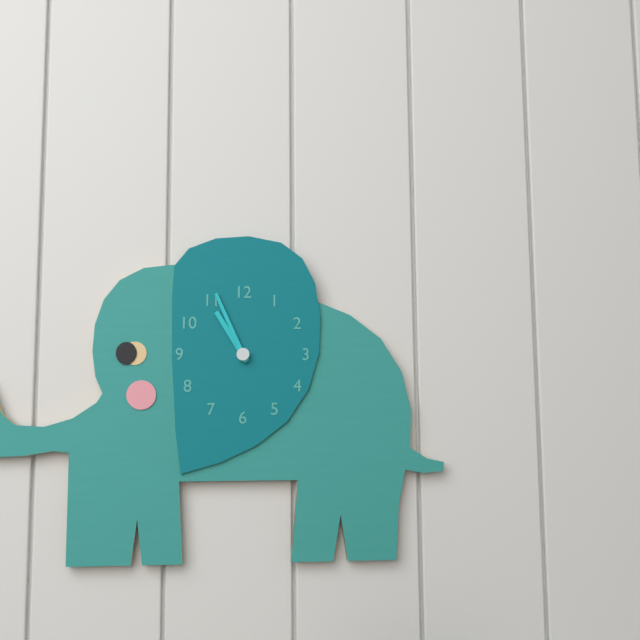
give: {"hour": 10, "minute": 56}
